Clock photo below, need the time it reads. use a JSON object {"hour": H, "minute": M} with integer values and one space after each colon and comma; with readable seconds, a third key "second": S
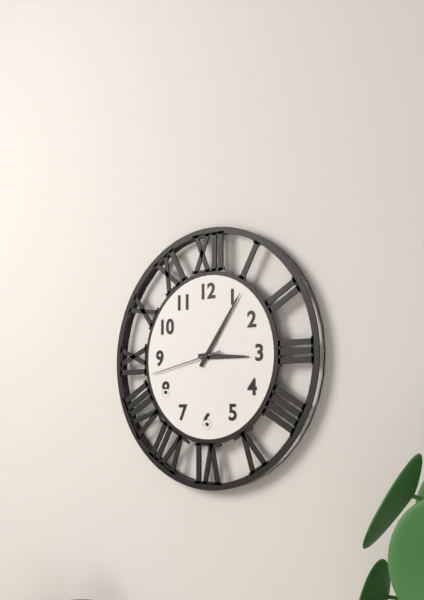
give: {"hour": 3, "minute": 6, "second": 43}
